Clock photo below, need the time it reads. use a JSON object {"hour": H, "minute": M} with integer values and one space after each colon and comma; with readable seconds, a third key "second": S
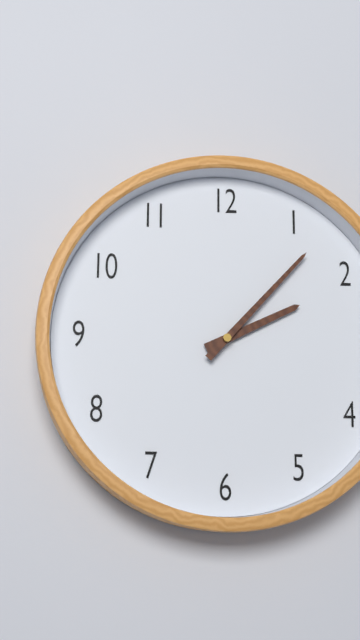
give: {"hour": 2, "minute": 7}
